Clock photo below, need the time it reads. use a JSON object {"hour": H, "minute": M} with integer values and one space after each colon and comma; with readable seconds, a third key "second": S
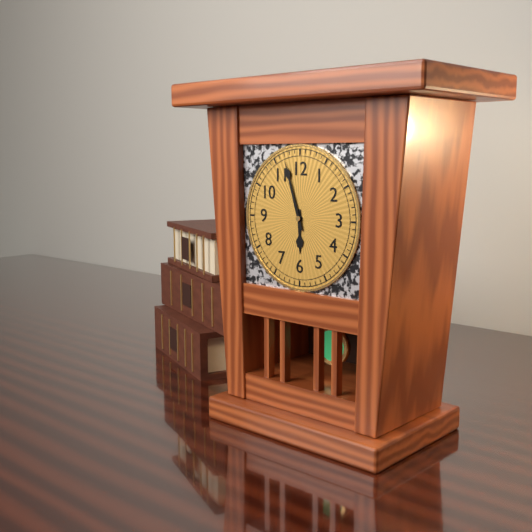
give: {"hour": 5, "minute": 57}
